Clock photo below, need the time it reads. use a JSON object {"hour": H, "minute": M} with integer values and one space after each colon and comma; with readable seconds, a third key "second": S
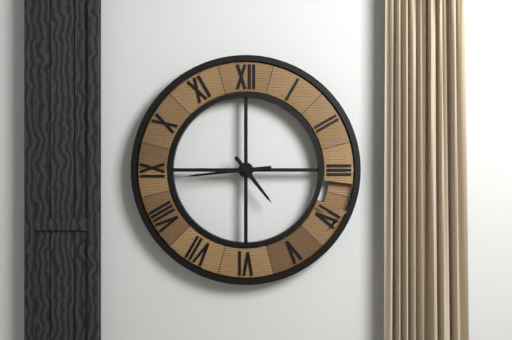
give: {"hour": 4, "minute": 44}
